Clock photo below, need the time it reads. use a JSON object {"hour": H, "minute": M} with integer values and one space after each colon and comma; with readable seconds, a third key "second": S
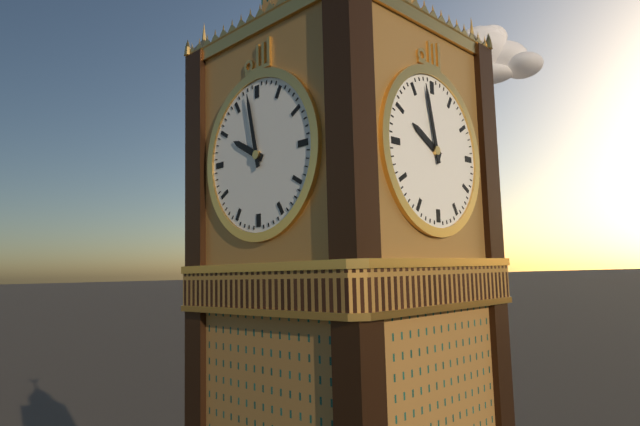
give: {"hour": 9, "minute": 58}
